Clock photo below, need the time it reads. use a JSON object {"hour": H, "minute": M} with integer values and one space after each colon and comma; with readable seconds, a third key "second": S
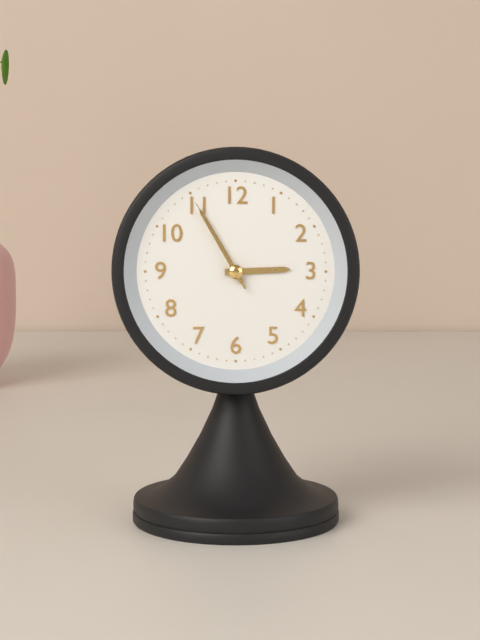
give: {"hour": 2, "minute": 55, "second": 55}
